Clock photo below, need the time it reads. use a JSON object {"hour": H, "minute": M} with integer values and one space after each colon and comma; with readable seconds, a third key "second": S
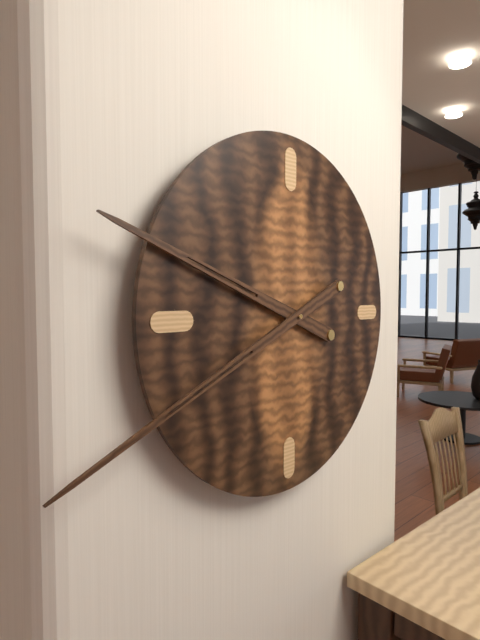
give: {"hour": 9, "minute": 41}
